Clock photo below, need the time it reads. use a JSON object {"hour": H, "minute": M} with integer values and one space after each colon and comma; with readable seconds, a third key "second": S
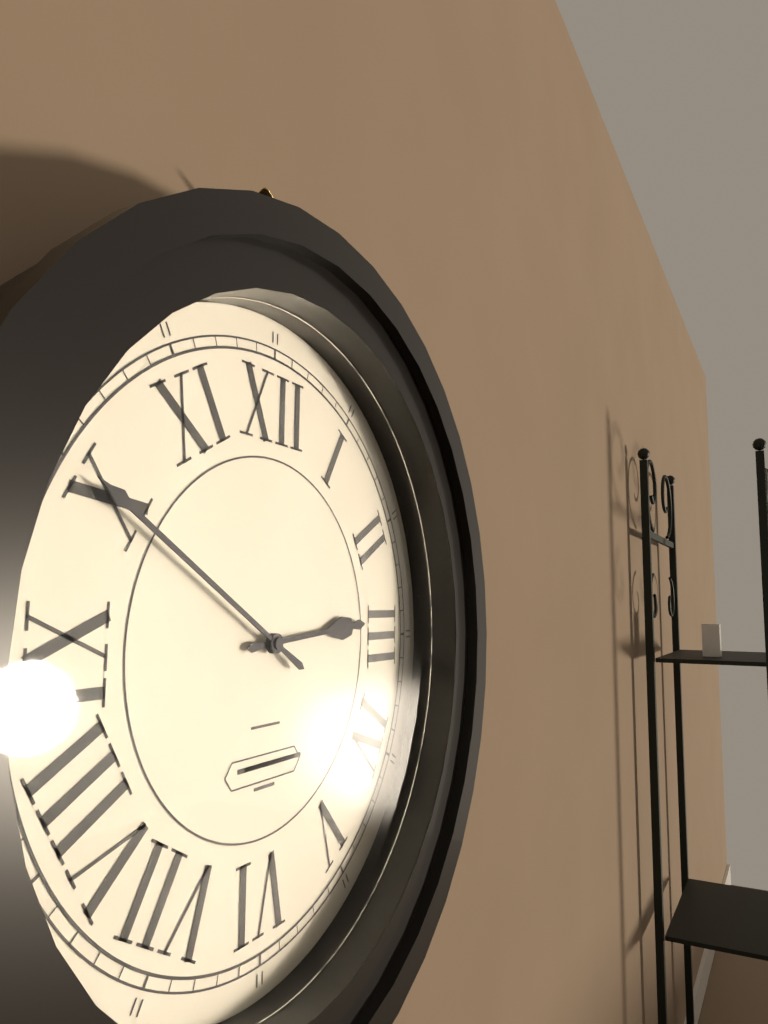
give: {"hour": 2, "minute": 50}
